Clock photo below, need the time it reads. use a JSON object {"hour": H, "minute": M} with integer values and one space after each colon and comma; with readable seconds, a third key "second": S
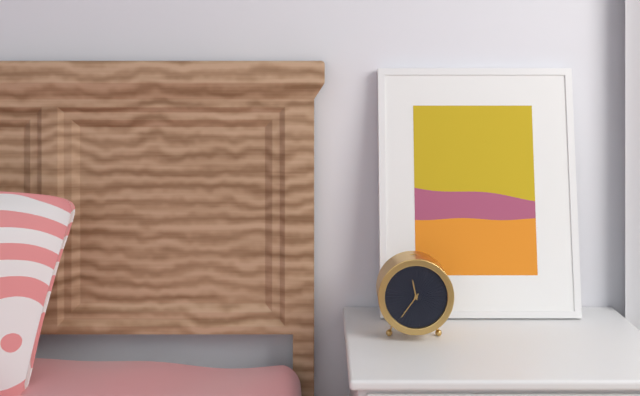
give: {"hour": 11, "minute": 36}
